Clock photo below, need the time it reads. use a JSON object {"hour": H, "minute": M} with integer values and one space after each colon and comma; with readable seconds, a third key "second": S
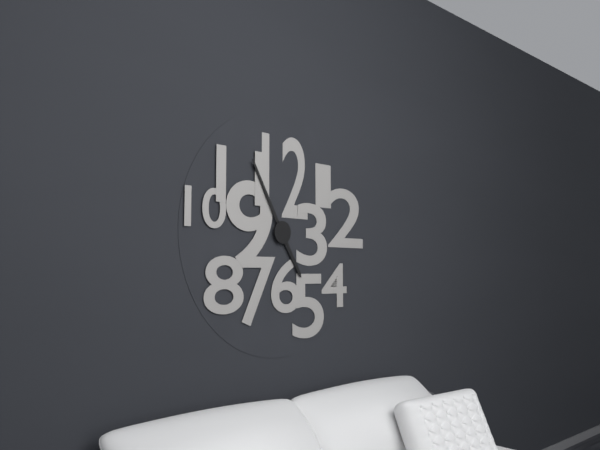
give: {"hour": 4, "minute": 55}
